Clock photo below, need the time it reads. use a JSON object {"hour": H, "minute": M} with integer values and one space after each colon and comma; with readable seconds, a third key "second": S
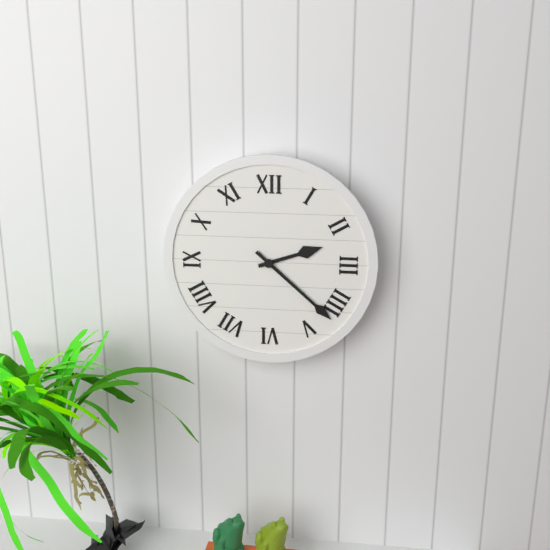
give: {"hour": 2, "minute": 22}
